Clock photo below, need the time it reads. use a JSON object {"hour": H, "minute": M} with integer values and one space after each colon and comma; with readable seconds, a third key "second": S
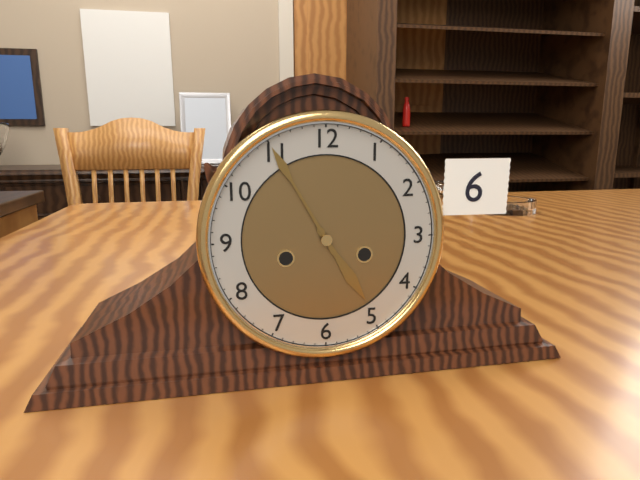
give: {"hour": 4, "minute": 55}
